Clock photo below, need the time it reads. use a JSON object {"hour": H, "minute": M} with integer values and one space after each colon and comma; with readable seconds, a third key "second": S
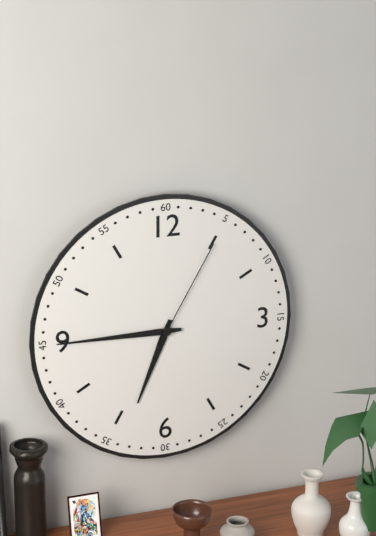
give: {"hour": 6, "minute": 45, "second": 5}
